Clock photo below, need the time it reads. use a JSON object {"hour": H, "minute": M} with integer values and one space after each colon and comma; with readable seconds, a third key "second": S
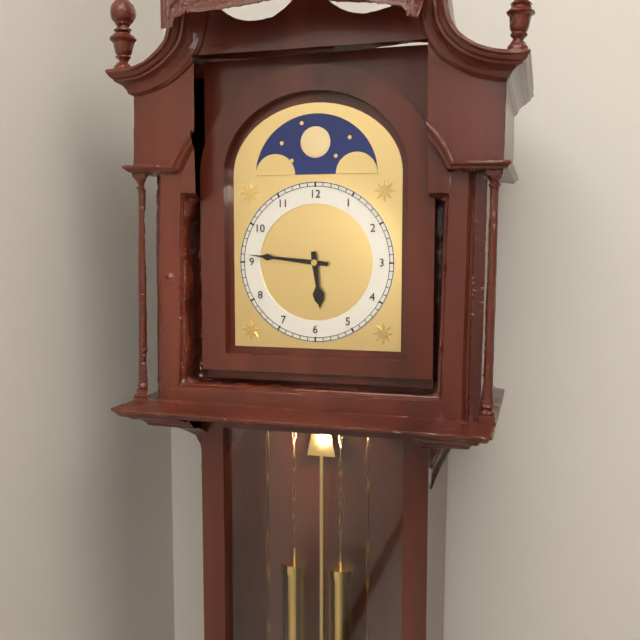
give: {"hour": 5, "minute": 46}
